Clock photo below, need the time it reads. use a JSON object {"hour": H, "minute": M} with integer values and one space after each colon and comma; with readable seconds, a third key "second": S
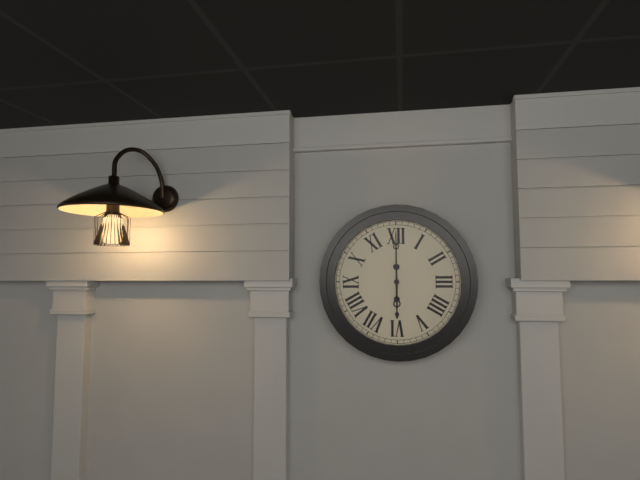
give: {"hour": 6, "minute": 0}
